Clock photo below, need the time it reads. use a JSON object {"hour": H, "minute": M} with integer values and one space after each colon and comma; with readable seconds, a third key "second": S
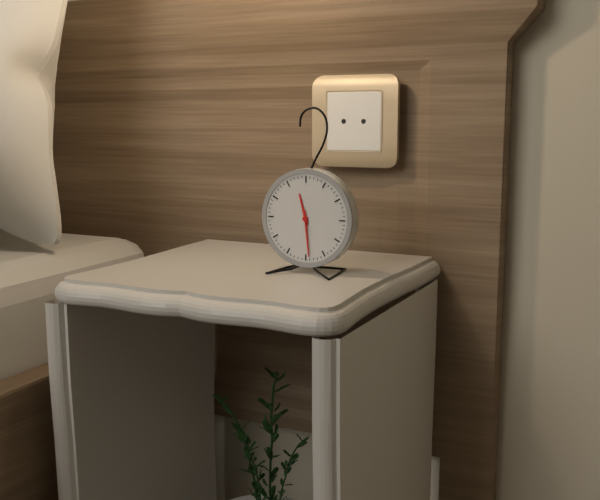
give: {"hour": 11, "minute": 29}
